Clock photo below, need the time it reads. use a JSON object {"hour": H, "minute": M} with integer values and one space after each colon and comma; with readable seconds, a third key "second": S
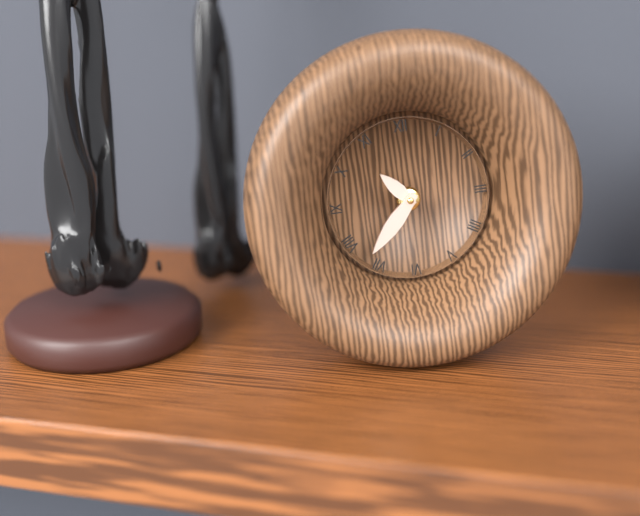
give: {"hour": 10, "minute": 37}
